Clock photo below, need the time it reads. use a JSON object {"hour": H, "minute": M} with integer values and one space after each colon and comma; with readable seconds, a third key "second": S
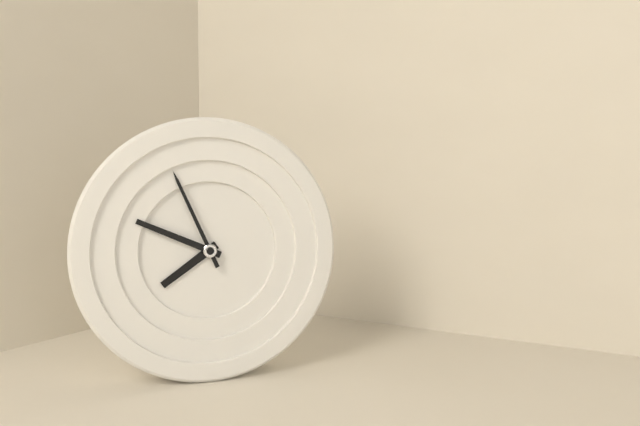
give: {"hour": 7, "minute": 49, "second": 56}
